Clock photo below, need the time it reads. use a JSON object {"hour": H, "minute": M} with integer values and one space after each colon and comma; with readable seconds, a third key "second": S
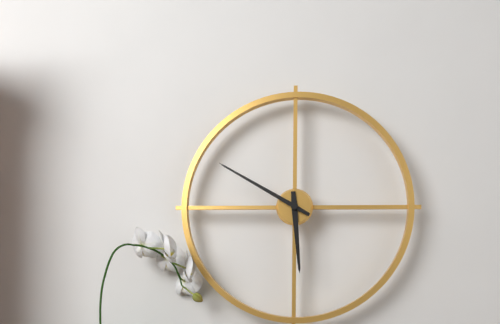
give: {"hour": 5, "minute": 50}
